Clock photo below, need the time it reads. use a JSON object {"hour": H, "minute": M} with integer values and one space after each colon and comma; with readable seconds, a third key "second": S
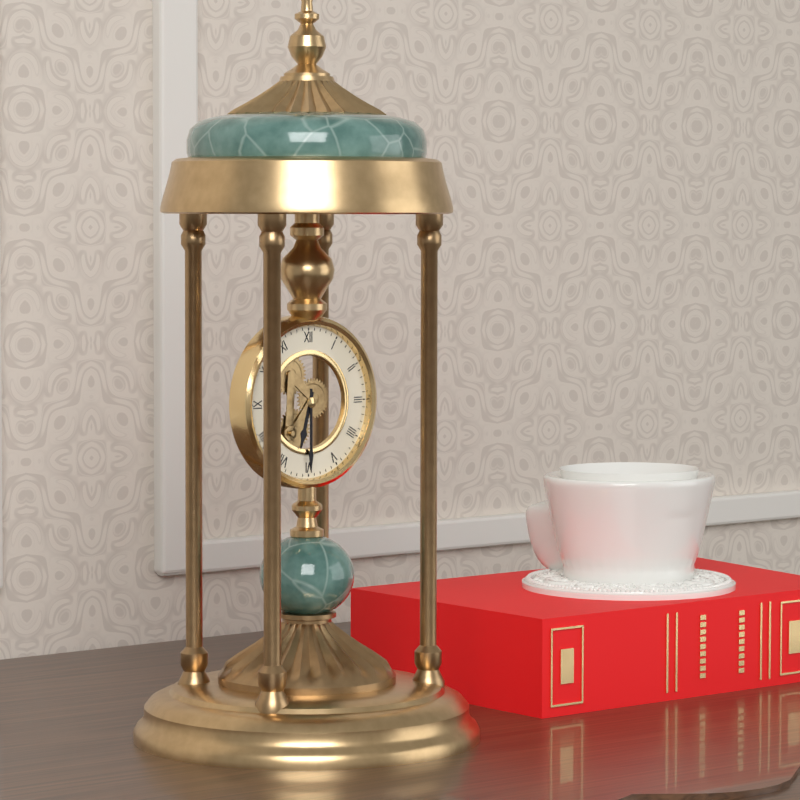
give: {"hour": 6, "minute": 30}
